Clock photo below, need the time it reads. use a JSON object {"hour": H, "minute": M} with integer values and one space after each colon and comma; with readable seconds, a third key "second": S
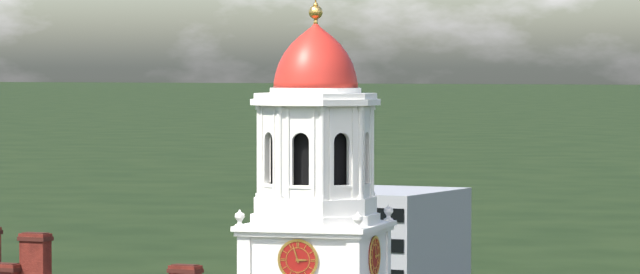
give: {"hour": 2, "minute": 57}
